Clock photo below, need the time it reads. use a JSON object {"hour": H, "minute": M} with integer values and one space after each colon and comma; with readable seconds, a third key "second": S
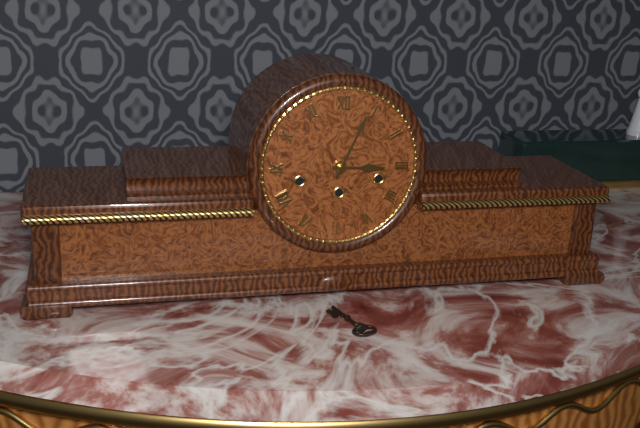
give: {"hour": 3, "minute": 4}
